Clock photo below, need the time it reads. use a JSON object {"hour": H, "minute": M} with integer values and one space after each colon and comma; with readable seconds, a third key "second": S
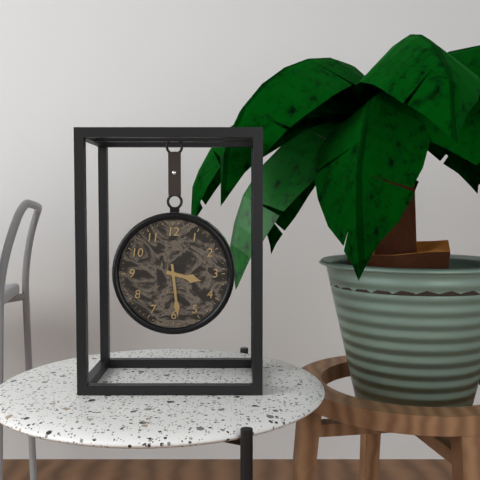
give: {"hour": 3, "minute": 29}
